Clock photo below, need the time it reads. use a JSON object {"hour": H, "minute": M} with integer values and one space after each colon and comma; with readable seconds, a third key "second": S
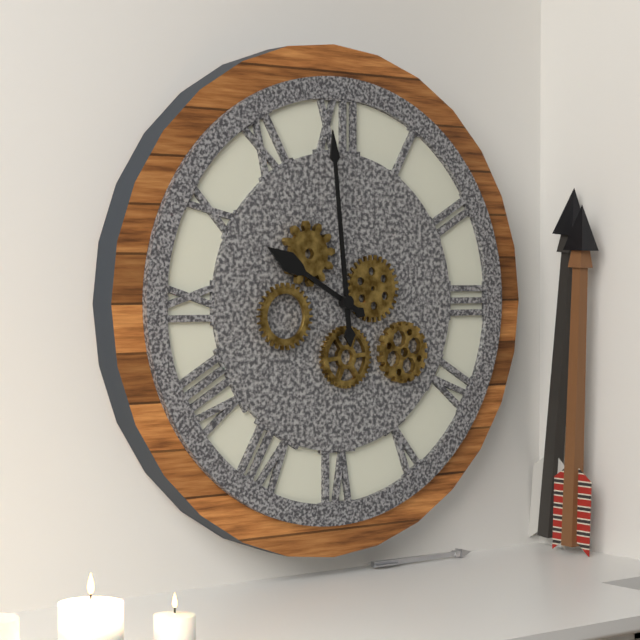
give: {"hour": 9, "minute": 59}
